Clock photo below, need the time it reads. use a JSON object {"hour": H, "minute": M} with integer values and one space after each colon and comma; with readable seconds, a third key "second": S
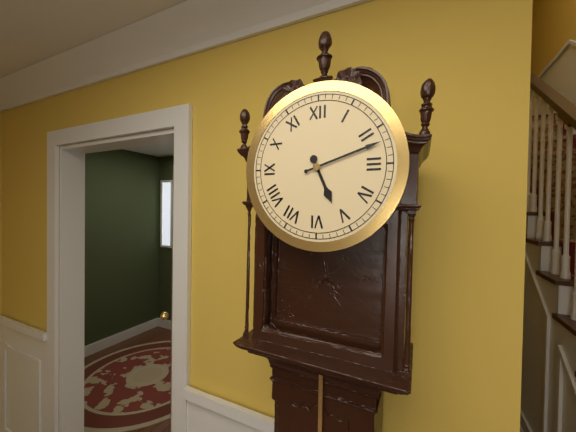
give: {"hour": 5, "minute": 12}
